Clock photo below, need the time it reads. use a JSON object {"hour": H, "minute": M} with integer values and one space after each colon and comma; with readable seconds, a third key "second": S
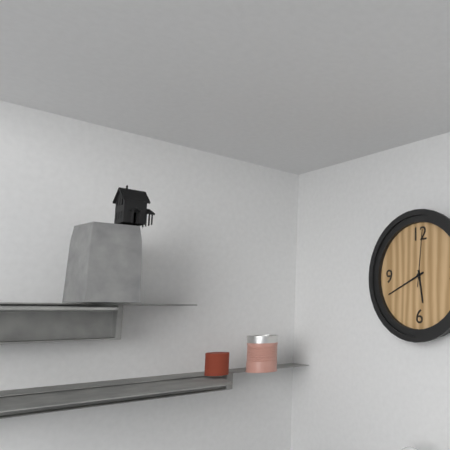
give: {"hour": 5, "minute": 41, "second": 1}
